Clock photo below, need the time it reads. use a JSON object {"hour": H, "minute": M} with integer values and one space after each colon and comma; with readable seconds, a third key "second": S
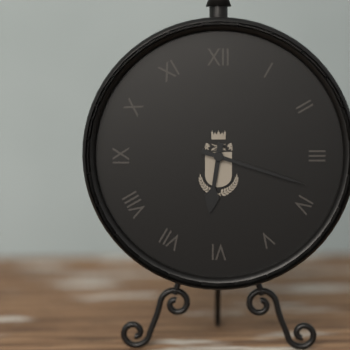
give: {"hour": 6, "minute": 18}
